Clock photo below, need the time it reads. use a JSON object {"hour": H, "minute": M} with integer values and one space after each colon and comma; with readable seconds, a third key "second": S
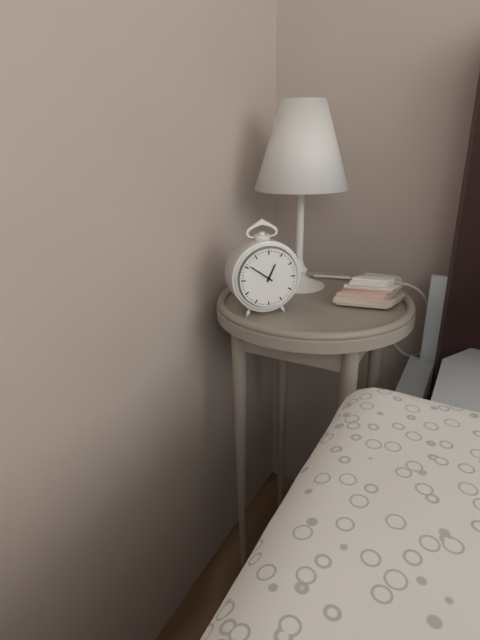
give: {"hour": 12, "minute": 51}
